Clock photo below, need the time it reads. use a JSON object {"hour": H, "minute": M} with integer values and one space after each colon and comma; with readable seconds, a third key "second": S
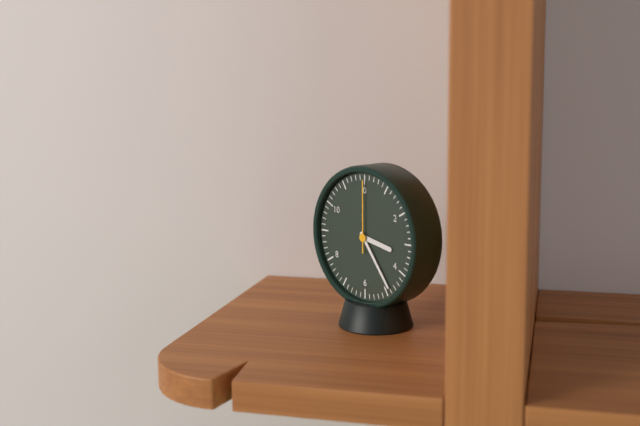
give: {"hour": 3, "minute": 24, "second": 0}
